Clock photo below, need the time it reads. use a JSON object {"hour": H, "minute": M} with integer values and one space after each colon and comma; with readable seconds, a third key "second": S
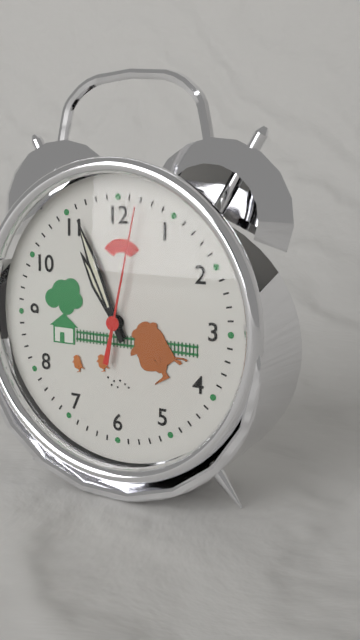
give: {"hour": 10, "minute": 56, "second": 2}
